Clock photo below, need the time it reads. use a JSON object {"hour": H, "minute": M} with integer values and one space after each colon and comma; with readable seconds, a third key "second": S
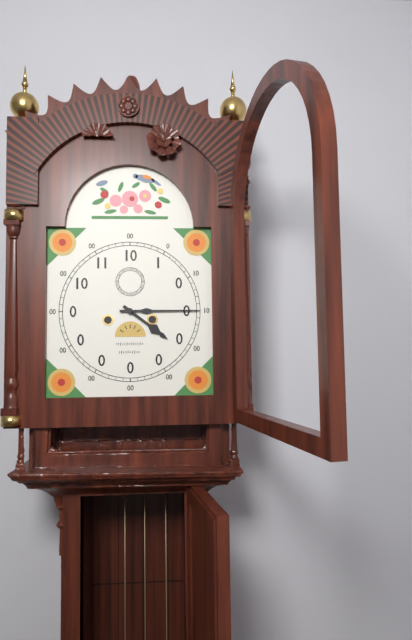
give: {"hour": 4, "minute": 15}
